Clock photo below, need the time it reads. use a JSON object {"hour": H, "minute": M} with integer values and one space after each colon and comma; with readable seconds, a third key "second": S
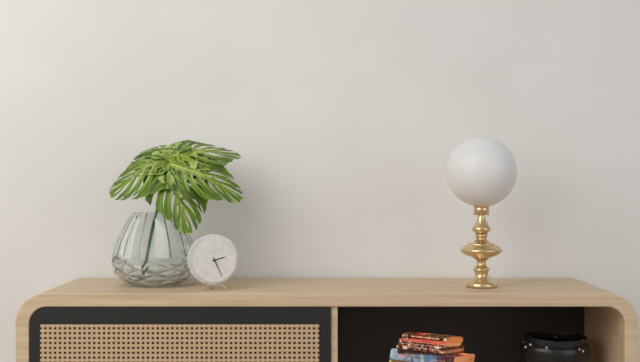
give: {"hour": 2, "minute": 26}
